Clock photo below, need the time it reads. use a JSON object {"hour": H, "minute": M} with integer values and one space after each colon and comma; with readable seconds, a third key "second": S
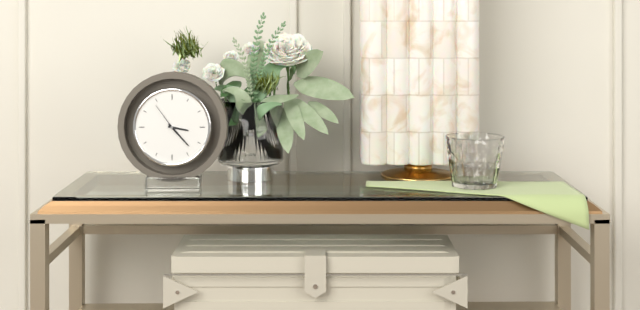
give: {"hour": 3, "minute": 23}
